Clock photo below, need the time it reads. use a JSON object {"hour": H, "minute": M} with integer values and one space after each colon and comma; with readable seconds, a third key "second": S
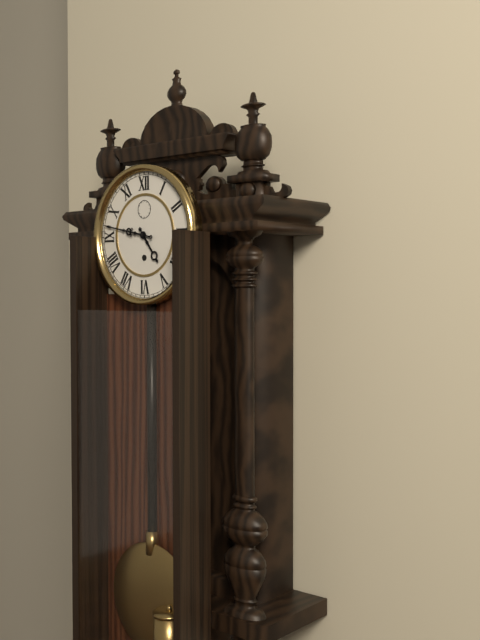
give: {"hour": 4, "minute": 47}
